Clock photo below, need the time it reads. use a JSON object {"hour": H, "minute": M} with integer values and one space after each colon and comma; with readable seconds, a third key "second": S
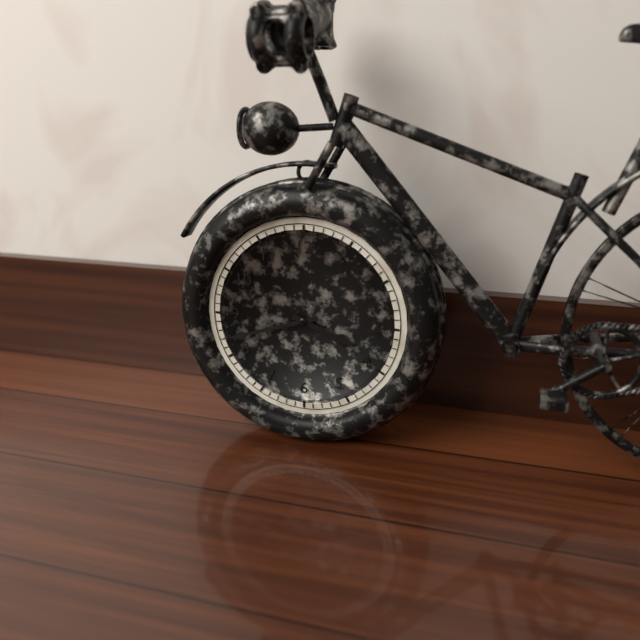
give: {"hour": 3, "minute": 42}
